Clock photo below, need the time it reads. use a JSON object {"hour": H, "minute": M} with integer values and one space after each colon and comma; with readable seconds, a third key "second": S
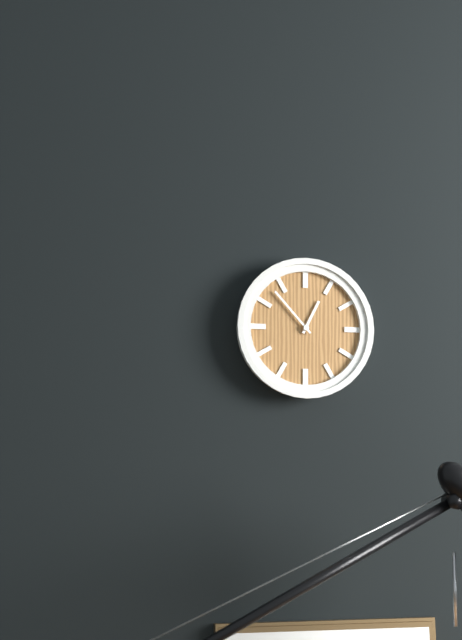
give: {"hour": 12, "minute": 53}
